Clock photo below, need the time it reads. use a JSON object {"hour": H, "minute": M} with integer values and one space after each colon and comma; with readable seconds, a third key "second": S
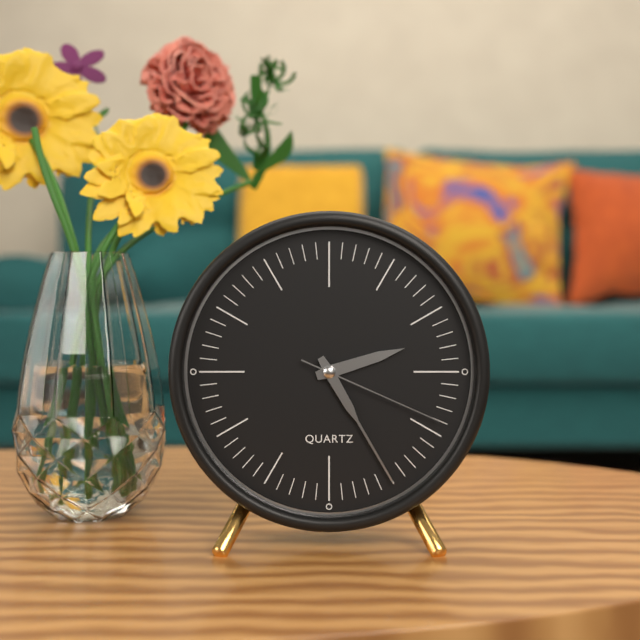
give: {"hour": 2, "minute": 25, "second": 19}
